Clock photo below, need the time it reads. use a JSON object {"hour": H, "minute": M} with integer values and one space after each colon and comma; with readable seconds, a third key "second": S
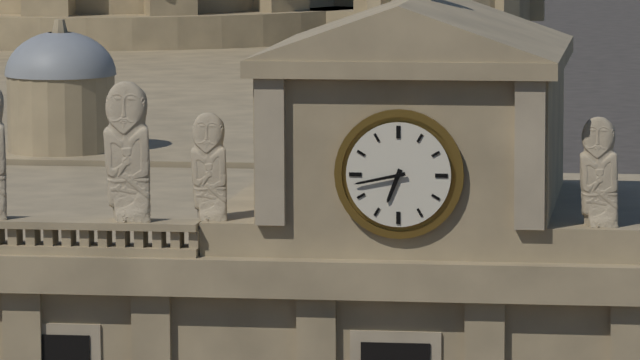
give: {"hour": 6, "minute": 43}
